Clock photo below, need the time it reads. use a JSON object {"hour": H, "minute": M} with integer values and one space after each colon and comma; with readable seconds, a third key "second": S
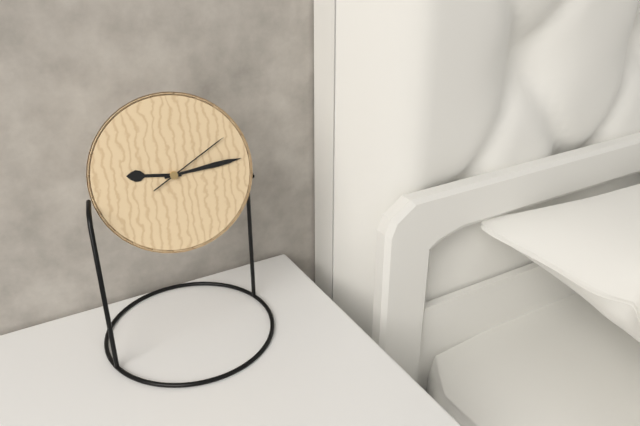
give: {"hour": 9, "minute": 14, "second": 10}
